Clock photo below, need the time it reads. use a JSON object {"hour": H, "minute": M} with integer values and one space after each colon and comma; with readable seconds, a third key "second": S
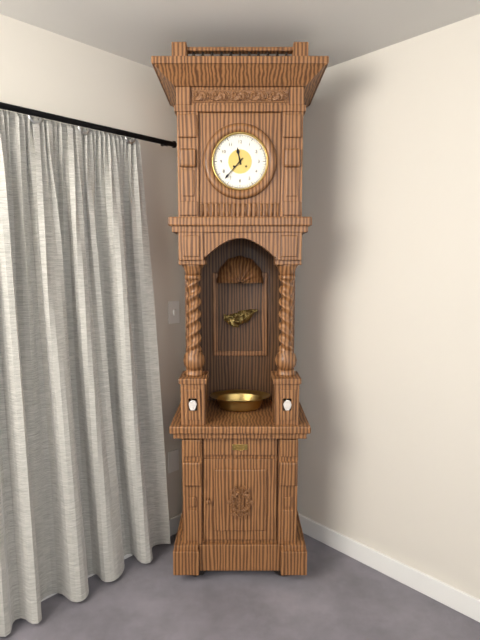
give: {"hour": 11, "minute": 37}
